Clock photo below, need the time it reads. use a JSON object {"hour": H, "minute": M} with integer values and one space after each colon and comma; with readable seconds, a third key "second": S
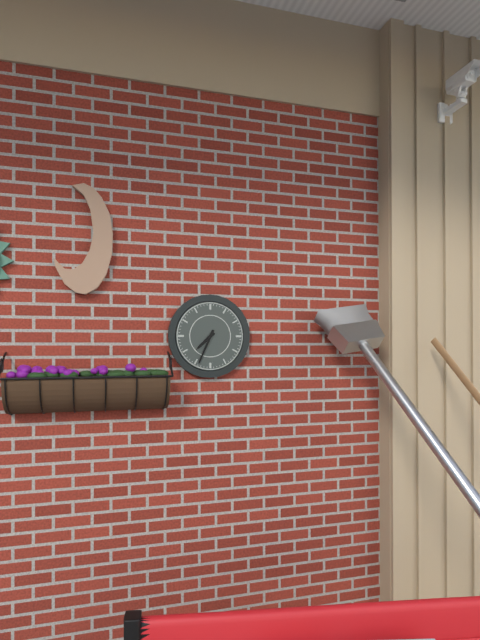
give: {"hour": 7, "minute": 34}
